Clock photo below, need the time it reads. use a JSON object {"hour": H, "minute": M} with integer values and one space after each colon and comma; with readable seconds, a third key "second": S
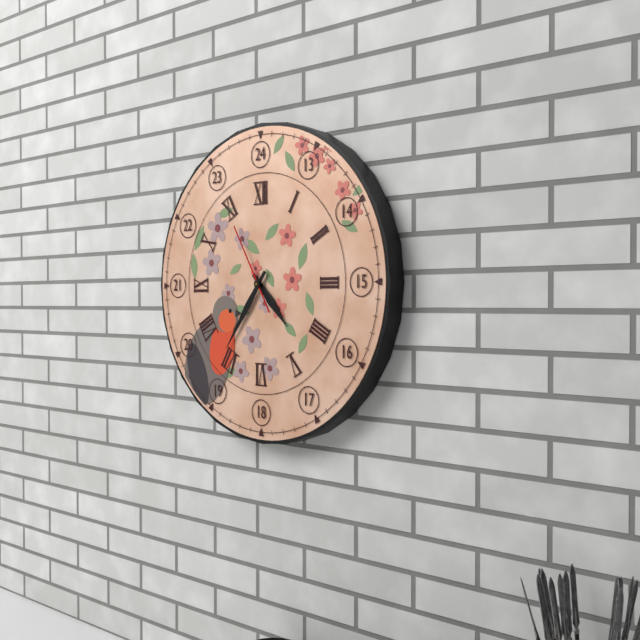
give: {"hour": 4, "minute": 36, "second": 55}
